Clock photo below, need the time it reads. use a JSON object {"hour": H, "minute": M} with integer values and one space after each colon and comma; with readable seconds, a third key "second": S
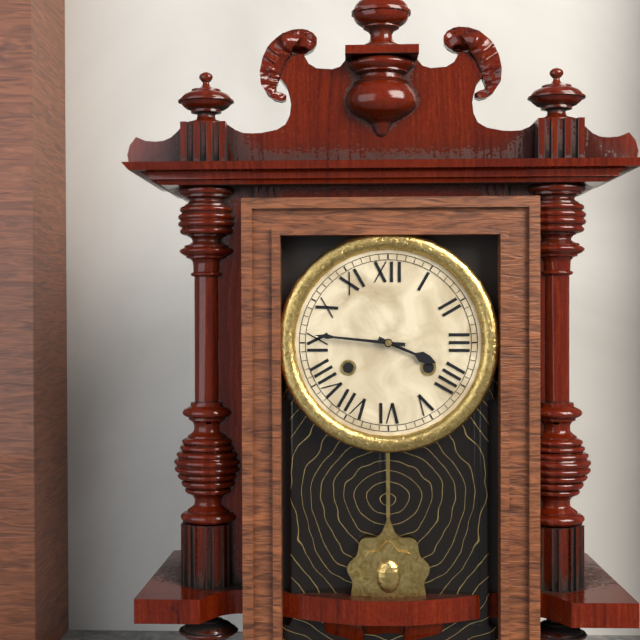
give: {"hour": 3, "minute": 46}
